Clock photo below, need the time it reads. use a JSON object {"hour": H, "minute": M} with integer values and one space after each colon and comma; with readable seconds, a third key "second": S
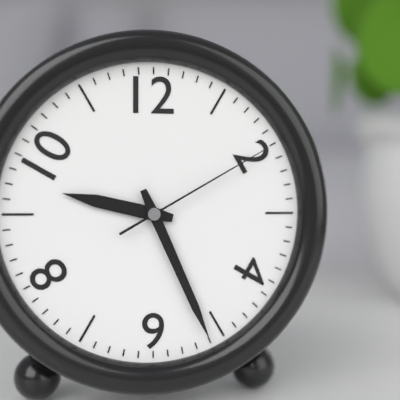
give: {"hour": 9, "minute": 26, "second": 10}
